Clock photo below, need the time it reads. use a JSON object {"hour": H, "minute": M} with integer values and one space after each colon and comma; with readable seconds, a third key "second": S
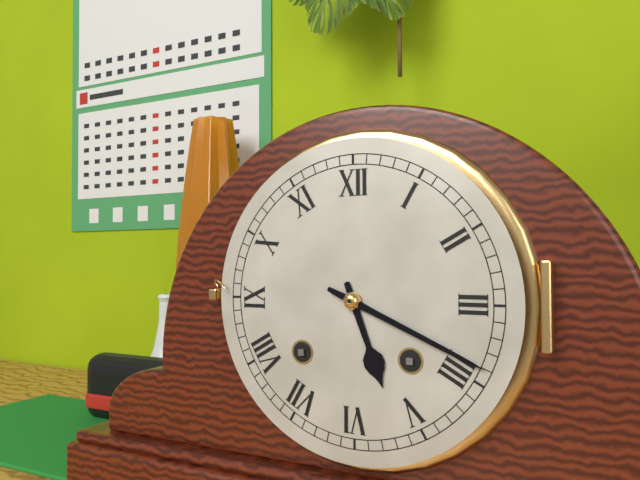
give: {"hour": 5, "minute": 19}
